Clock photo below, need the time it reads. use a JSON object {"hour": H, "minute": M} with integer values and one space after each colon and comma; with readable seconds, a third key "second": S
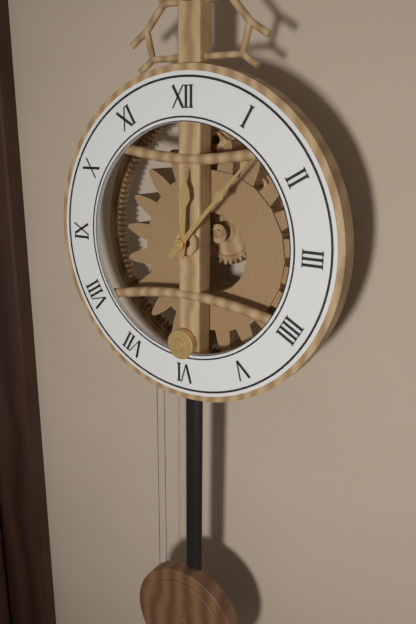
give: {"hour": 12, "minute": 7}
